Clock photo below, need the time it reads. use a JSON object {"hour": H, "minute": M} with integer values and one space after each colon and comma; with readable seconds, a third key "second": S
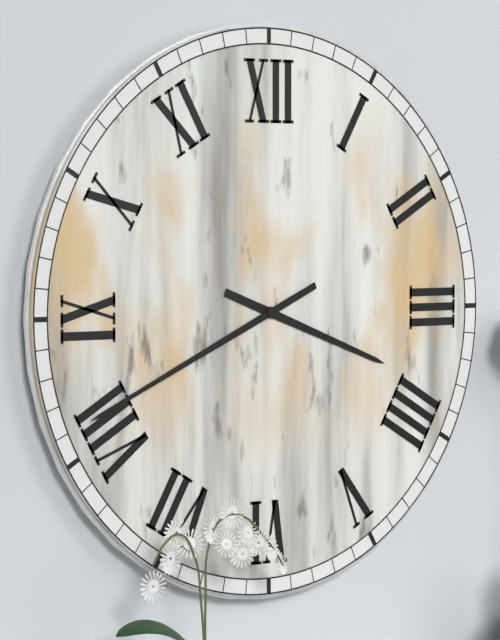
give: {"hour": 3, "minute": 41}
